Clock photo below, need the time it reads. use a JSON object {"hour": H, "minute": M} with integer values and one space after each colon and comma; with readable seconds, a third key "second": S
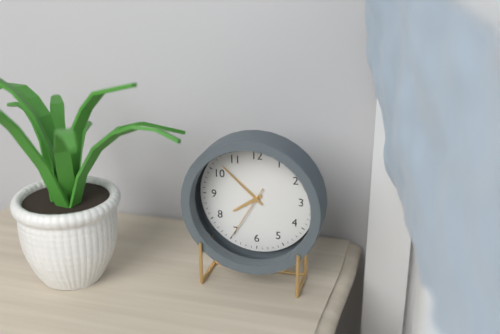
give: {"hour": 7, "minute": 52, "second": 35}
